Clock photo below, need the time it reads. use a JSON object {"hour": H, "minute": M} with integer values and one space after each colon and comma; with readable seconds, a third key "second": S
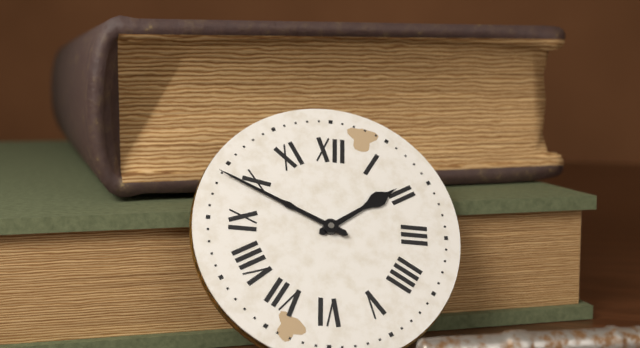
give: {"hour": 1, "minute": 49}
